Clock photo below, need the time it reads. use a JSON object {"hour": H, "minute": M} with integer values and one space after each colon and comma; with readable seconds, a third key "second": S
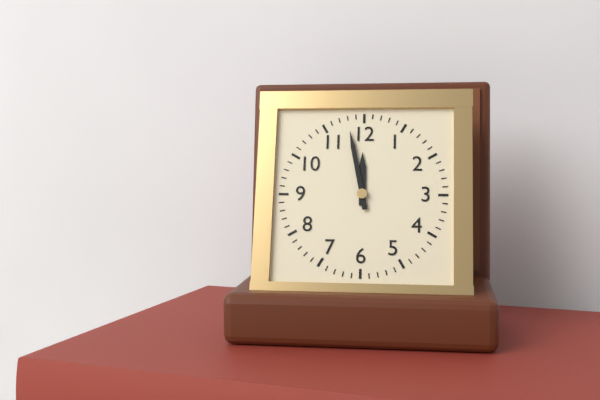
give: {"hour": 11, "minute": 58}
